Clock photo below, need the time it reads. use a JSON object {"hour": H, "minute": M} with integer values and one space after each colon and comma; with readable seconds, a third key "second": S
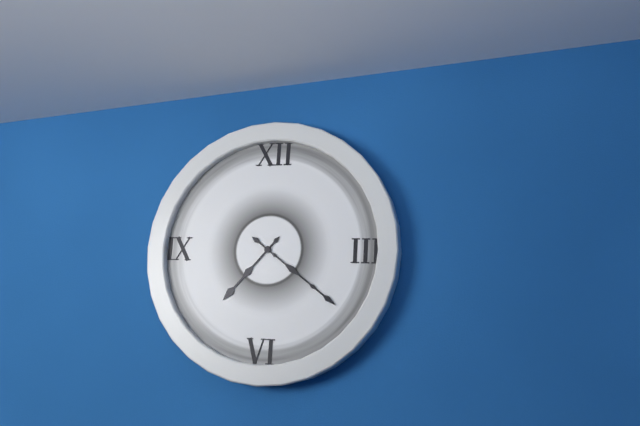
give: {"hour": 7, "minute": 21}
